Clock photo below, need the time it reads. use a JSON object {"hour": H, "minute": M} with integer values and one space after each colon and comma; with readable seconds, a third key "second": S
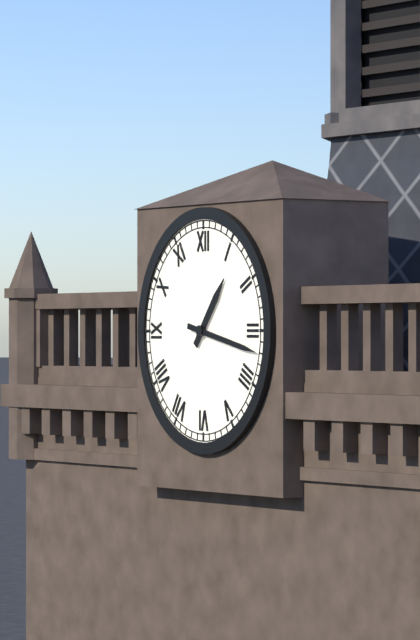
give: {"hour": 1, "minute": 17}
